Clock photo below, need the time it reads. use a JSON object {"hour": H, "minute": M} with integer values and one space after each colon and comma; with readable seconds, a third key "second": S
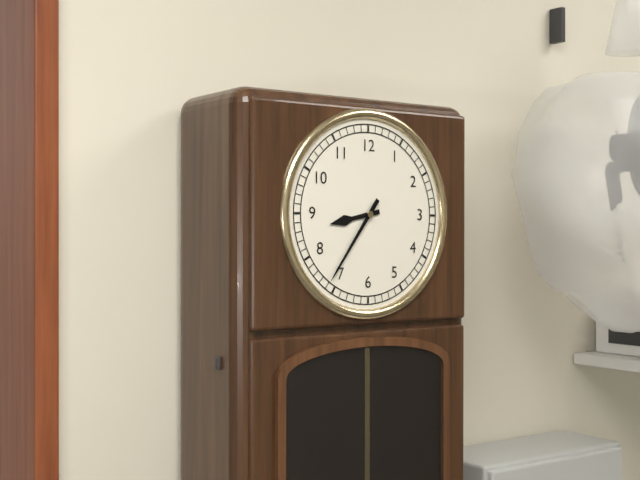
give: {"hour": 8, "minute": 36}
